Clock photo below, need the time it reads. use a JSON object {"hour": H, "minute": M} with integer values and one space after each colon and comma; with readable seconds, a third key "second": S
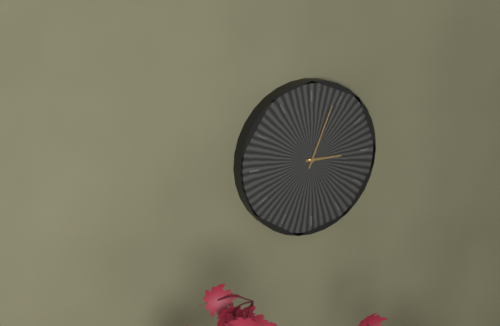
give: {"hour": 3, "minute": 4}
